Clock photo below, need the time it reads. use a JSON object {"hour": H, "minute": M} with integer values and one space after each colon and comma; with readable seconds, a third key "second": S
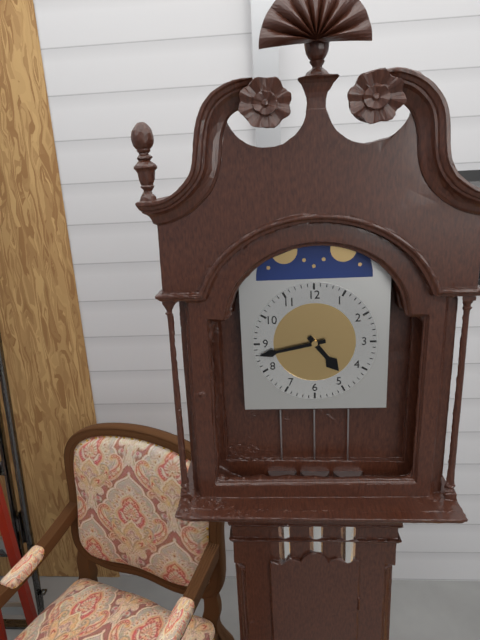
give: {"hour": 4, "minute": 43}
